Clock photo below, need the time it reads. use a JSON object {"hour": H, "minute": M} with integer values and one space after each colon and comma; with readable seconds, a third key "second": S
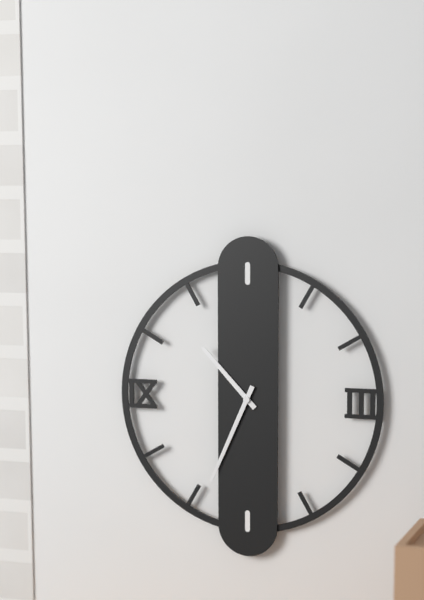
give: {"hour": 10, "minute": 34}
